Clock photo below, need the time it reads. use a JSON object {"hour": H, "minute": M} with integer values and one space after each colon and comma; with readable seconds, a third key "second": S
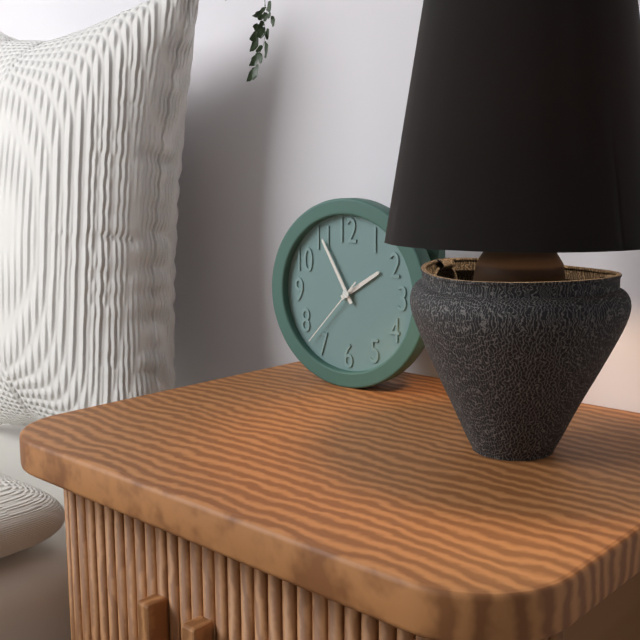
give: {"hour": 1, "minute": 55, "second": 37}
